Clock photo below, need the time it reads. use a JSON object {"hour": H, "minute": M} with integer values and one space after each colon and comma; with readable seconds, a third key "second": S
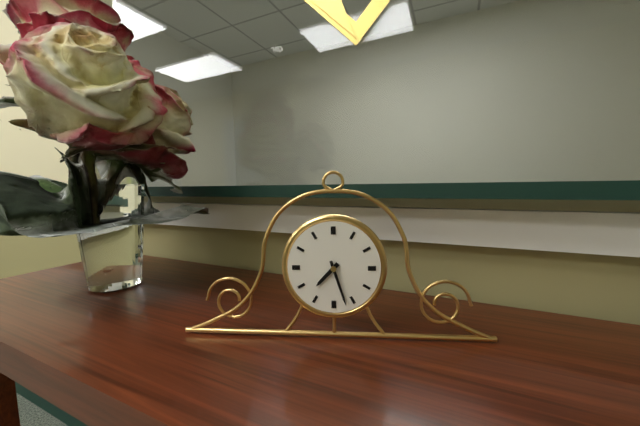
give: {"hour": 7, "minute": 27}
